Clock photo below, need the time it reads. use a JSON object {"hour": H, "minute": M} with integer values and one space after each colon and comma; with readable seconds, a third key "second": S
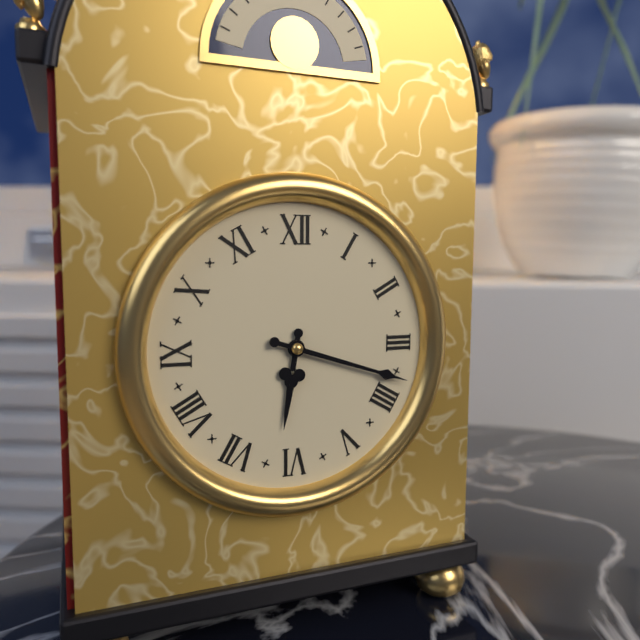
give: {"hour": 6, "minute": 18}
